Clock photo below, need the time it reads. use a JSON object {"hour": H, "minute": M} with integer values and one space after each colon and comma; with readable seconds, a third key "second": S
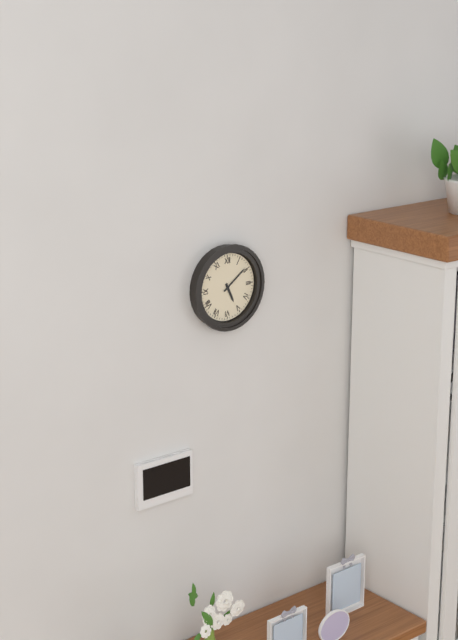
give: {"hour": 5, "minute": 9}
